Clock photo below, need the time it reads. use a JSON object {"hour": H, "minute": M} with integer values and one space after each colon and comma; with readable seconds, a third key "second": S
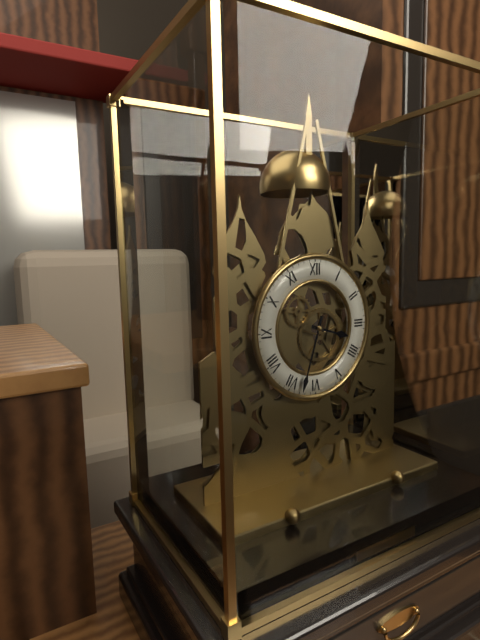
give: {"hour": 3, "minute": 33}
